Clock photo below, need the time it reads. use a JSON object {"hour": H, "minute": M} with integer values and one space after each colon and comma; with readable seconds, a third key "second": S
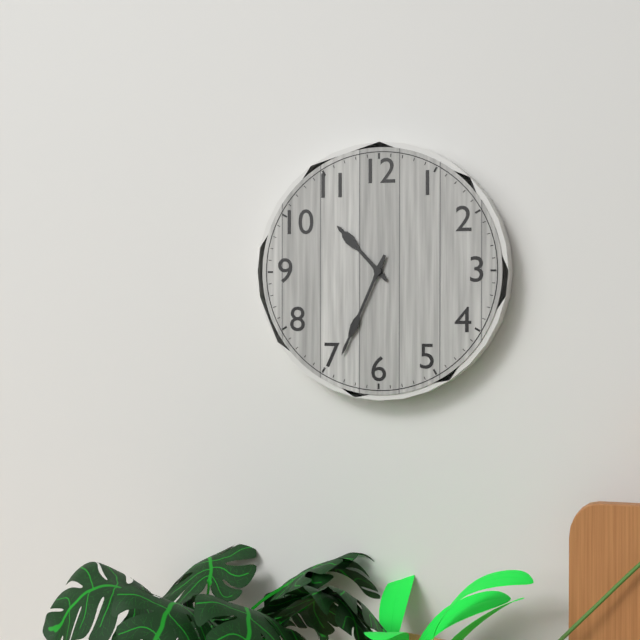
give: {"hour": 10, "minute": 34}
